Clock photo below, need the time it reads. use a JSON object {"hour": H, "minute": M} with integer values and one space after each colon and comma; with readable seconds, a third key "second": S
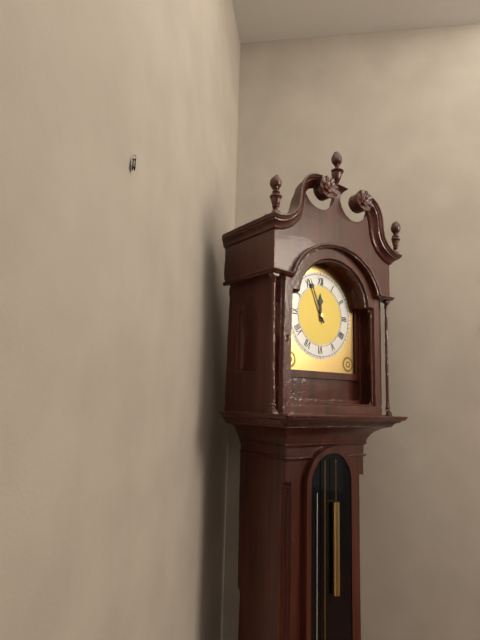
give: {"hour": 11, "minute": 56}
